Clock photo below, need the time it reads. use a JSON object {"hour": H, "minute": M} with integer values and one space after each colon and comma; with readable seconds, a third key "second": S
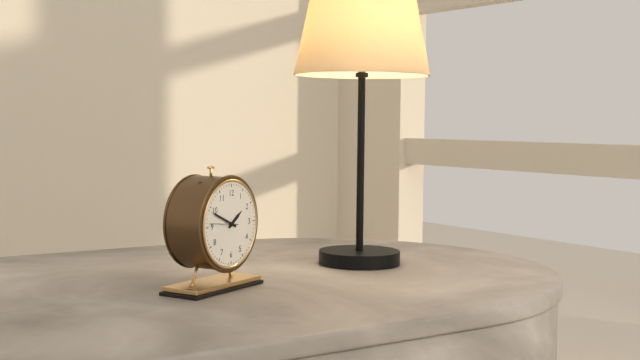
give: {"hour": 1, "minute": 49}
